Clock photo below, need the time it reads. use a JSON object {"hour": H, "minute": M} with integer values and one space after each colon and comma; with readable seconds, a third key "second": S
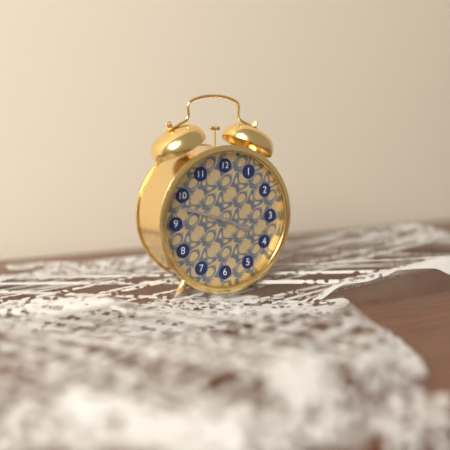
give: {"hour": 3, "minute": 48}
